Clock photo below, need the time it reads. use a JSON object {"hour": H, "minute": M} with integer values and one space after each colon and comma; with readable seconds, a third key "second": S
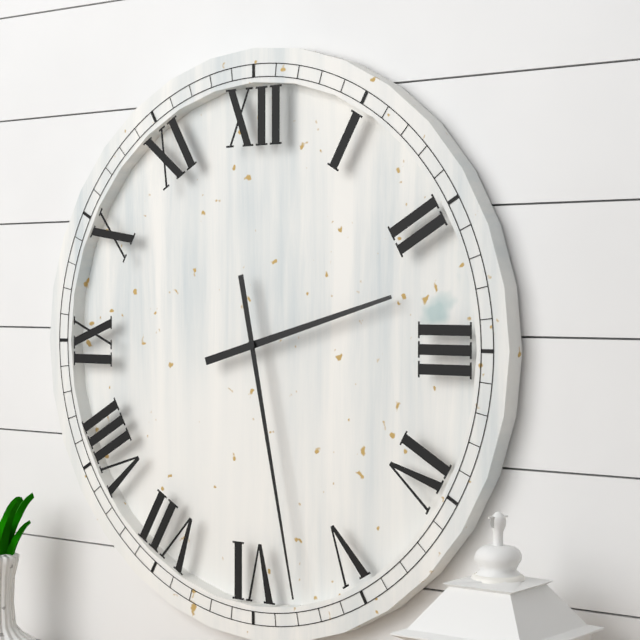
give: {"hour": 2, "minute": 28}
